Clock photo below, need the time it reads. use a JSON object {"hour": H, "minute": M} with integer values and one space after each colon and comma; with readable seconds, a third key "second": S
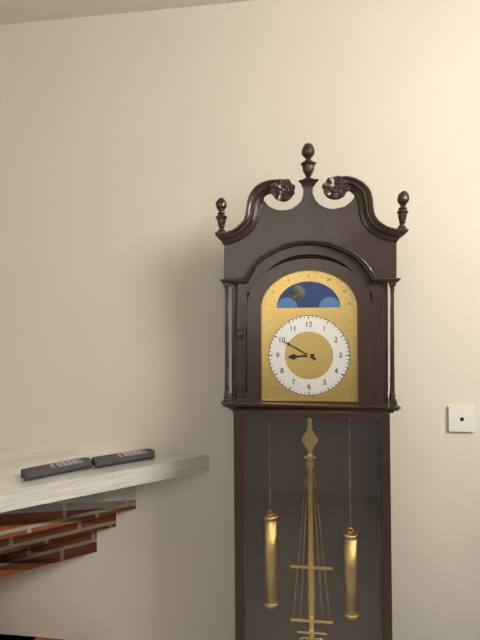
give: {"hour": 8, "minute": 50}
